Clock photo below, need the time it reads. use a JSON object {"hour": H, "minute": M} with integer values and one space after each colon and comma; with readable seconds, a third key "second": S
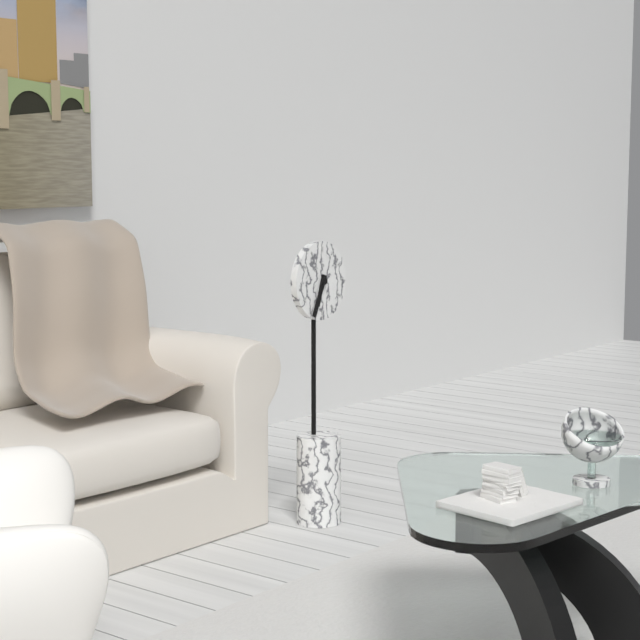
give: {"hour": 6, "minute": 34}
